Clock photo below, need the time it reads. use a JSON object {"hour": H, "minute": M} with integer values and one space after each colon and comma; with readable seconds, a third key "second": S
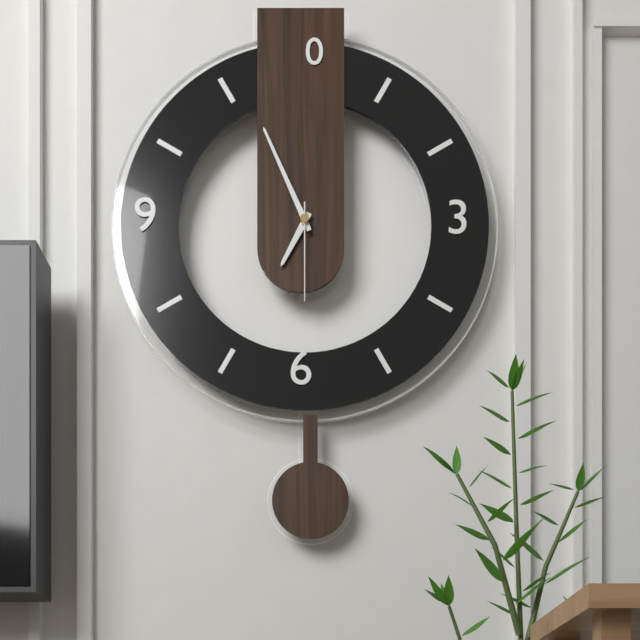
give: {"hour": 6, "minute": 56, "second": 30}
